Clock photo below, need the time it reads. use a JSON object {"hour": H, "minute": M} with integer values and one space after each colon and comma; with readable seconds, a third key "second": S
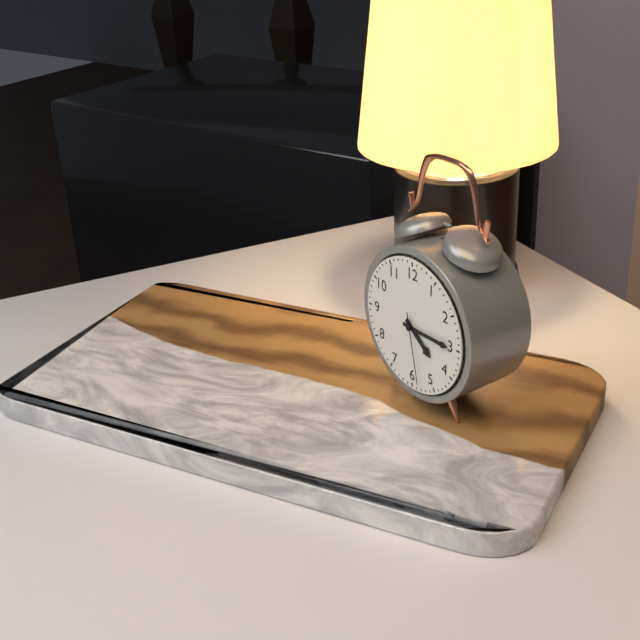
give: {"hour": 4, "minute": 15, "second": 28}
